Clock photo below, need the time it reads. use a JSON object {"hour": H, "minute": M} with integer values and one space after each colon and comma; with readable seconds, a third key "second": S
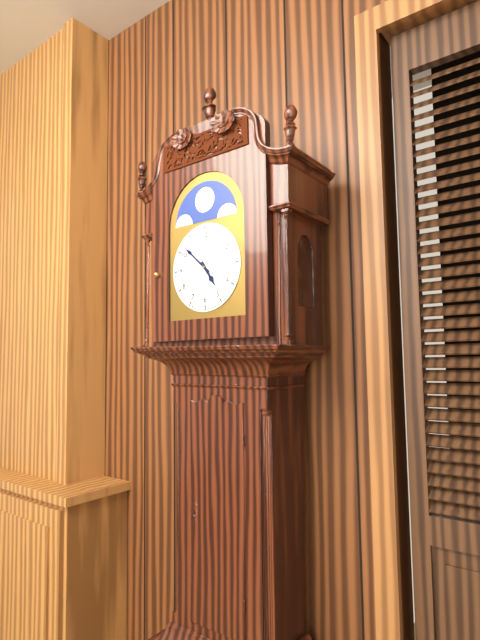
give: {"hour": 4, "minute": 52}
